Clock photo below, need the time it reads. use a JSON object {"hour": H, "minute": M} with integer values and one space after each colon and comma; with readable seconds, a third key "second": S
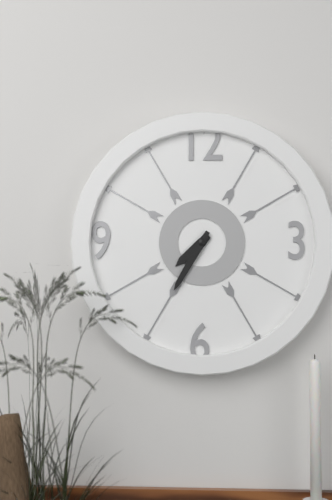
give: {"hour": 7, "minute": 35}
